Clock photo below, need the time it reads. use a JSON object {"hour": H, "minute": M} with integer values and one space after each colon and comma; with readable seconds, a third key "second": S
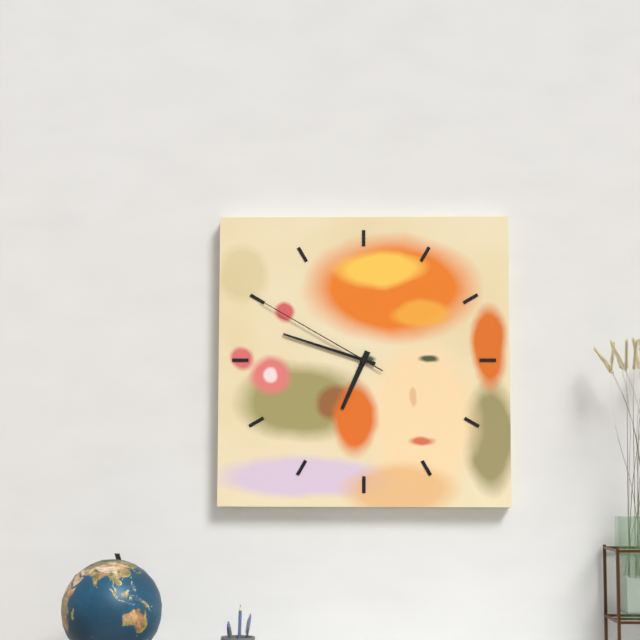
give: {"hour": 6, "minute": 48, "second": 50}
